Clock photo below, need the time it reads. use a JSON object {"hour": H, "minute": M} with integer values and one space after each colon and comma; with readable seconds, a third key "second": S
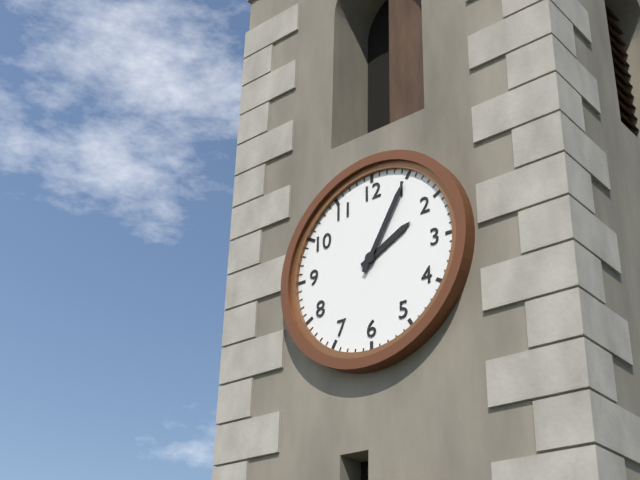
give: {"hour": 2, "minute": 5}
